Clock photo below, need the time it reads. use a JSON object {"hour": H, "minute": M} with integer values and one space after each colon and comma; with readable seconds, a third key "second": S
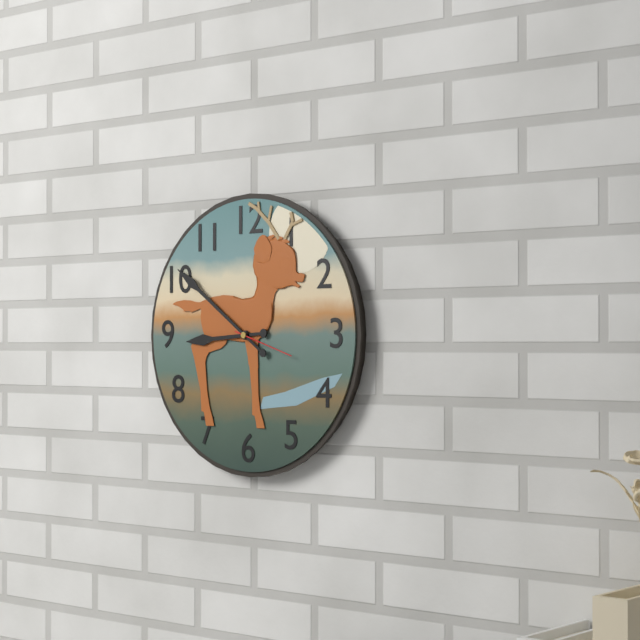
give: {"hour": 8, "minute": 51}
